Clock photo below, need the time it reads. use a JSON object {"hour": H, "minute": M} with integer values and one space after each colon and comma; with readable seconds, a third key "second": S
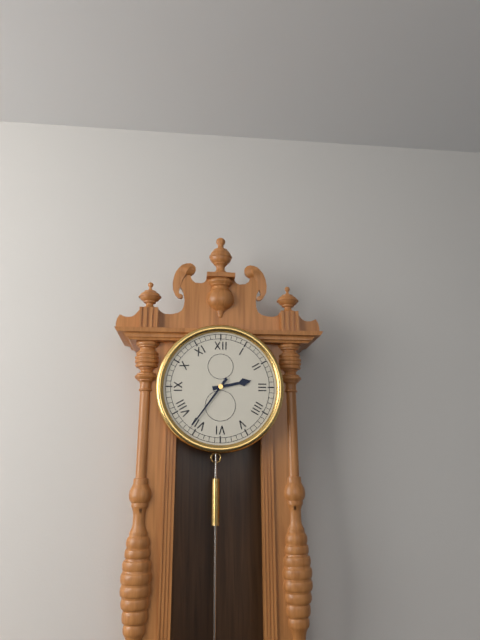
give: {"hour": 2, "minute": 36}
